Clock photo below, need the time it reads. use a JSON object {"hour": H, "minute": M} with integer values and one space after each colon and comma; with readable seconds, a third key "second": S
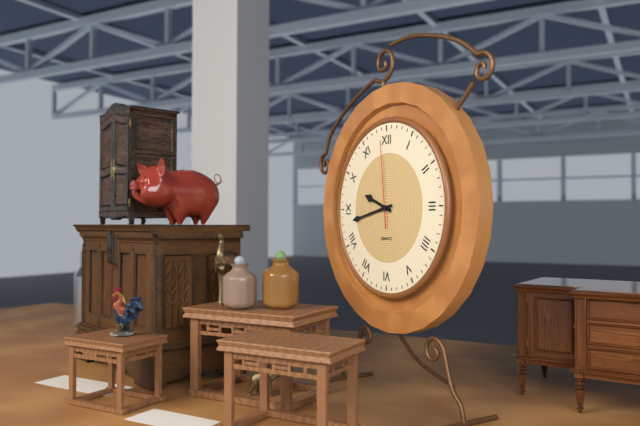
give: {"hour": 9, "minute": 43, "second": 59}
